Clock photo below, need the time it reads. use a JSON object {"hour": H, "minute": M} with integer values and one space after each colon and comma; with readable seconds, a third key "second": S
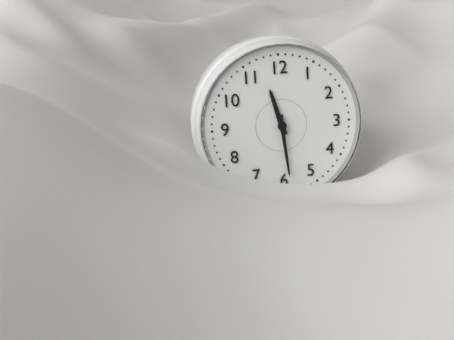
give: {"hour": 11, "minute": 29}
